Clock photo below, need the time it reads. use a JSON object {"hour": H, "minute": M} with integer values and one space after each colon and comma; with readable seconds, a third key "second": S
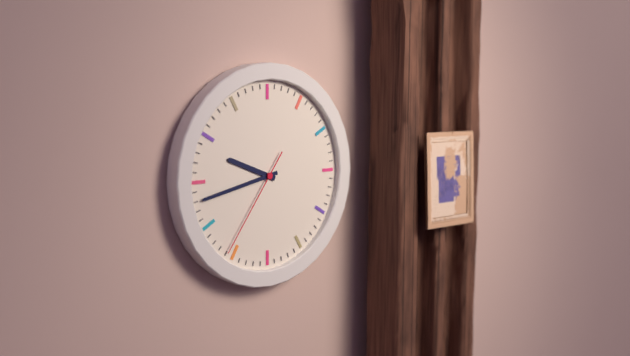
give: {"hour": 9, "minute": 43, "second": 36}
